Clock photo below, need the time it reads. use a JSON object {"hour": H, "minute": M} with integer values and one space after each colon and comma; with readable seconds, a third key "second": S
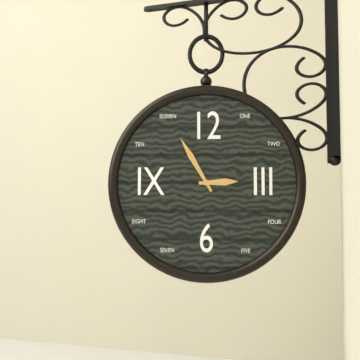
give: {"hour": 2, "minute": 55}
